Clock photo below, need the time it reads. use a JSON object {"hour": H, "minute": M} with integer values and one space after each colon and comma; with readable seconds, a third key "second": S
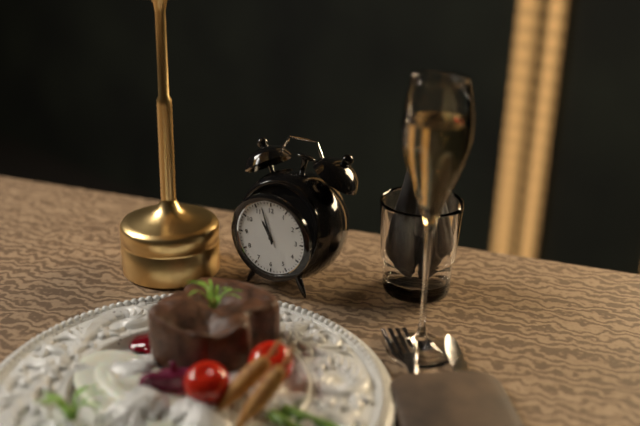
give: {"hour": 10, "minute": 57}
